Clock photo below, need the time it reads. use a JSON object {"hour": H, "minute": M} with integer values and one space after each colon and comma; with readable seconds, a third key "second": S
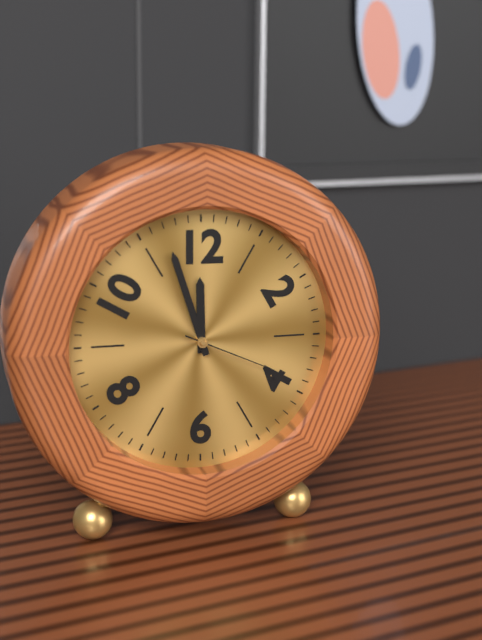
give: {"hour": 11, "minute": 57, "second": 19}
